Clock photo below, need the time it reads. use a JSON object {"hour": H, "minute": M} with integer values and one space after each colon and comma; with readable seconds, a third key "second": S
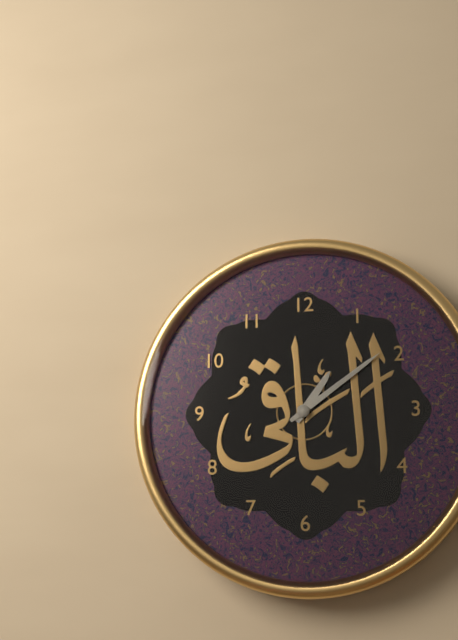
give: {"hour": 1, "minute": 9}
